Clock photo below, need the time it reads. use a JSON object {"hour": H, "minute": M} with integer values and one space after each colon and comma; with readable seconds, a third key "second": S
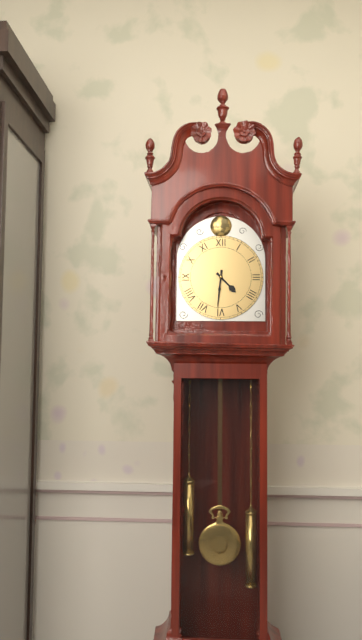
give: {"hour": 4, "minute": 31}
